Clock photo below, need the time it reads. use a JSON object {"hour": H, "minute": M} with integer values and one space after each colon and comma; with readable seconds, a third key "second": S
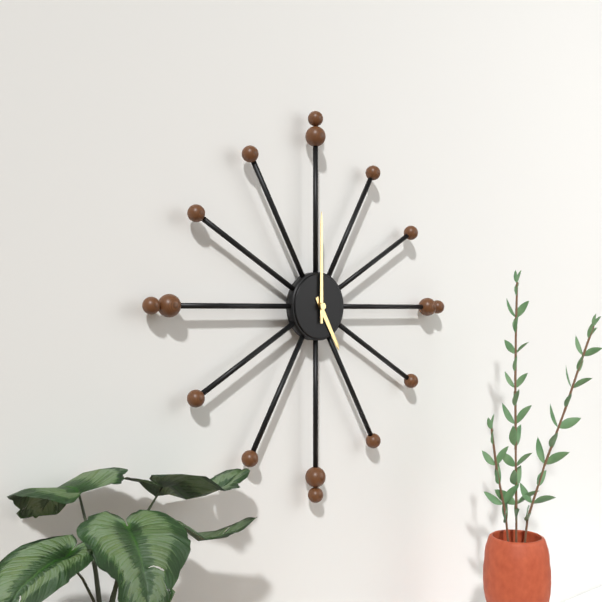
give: {"hour": 5, "minute": 0}
